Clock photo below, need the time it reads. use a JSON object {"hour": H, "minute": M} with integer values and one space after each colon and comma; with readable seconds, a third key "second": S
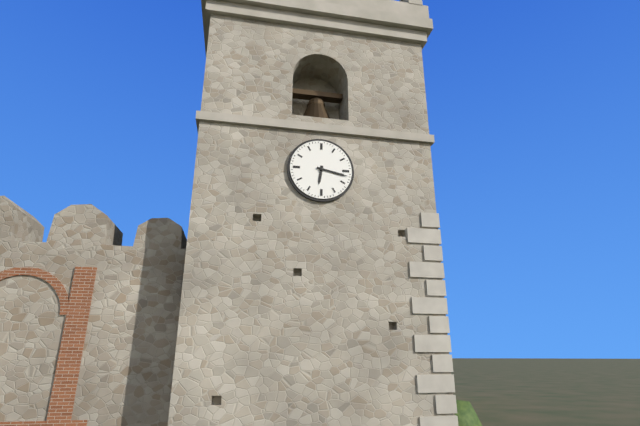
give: {"hour": 6, "minute": 17}
